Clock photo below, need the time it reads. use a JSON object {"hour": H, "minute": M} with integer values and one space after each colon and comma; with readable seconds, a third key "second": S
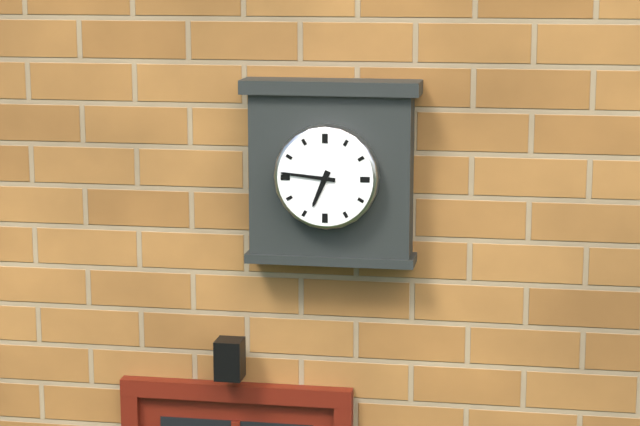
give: {"hour": 6, "minute": 46}
